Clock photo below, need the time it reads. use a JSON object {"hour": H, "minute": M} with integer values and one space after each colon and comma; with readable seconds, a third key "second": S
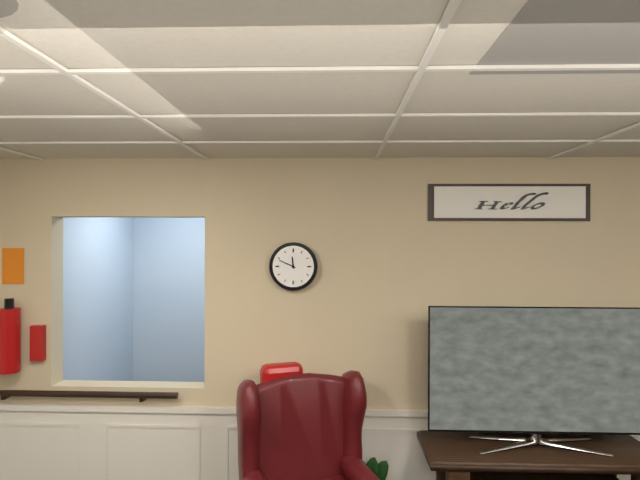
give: {"hour": 11, "minute": 49}
